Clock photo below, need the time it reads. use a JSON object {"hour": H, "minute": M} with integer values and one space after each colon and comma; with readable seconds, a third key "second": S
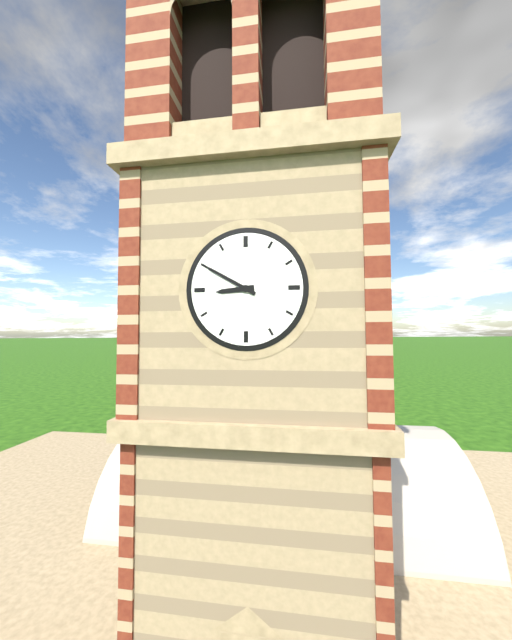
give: {"hour": 8, "minute": 50}
